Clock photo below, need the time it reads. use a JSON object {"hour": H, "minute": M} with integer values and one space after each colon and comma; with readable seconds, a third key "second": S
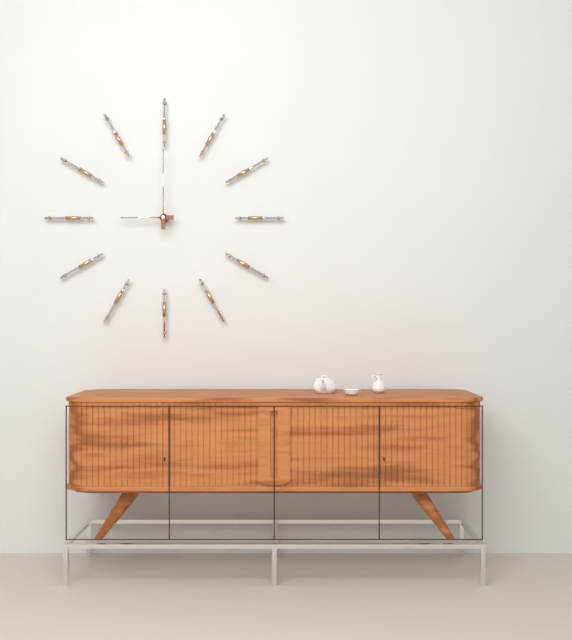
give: {"hour": 9, "minute": 0}
